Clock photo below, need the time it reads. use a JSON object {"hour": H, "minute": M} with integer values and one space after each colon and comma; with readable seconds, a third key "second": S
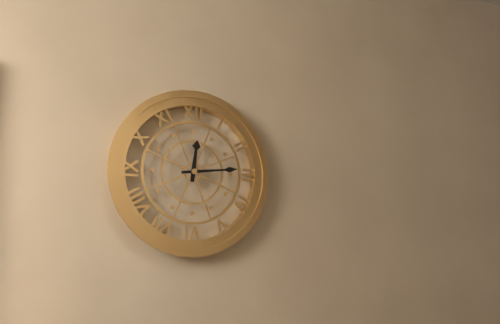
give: {"hour": 12, "minute": 14}
